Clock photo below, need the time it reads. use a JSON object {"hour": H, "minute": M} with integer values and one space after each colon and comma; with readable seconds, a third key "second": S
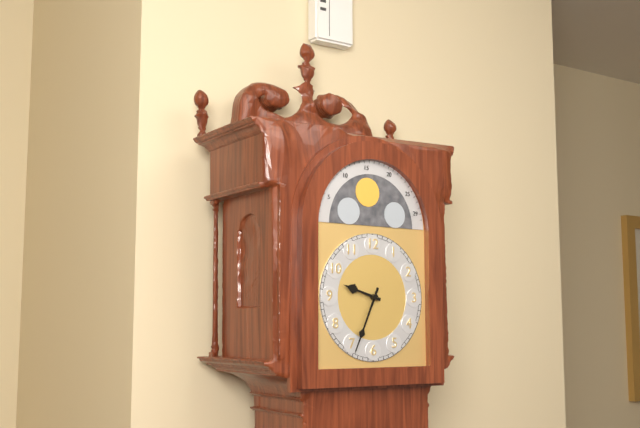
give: {"hour": 9, "minute": 34}
